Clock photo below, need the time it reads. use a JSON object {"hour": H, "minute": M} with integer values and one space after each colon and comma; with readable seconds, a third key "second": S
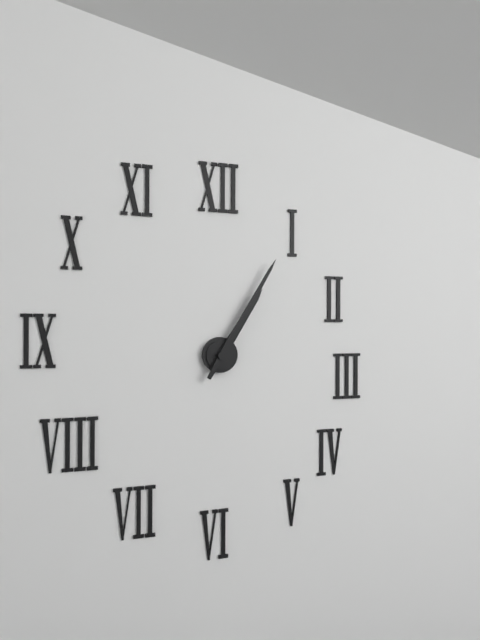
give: {"hour": 1, "minute": 5}
